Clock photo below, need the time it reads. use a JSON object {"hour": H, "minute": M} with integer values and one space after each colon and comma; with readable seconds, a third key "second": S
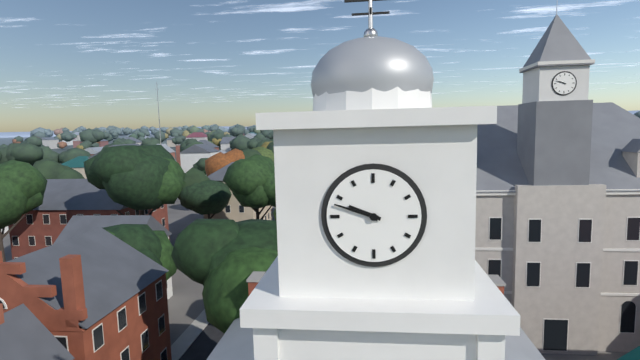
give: {"hour": 9, "minute": 48}
